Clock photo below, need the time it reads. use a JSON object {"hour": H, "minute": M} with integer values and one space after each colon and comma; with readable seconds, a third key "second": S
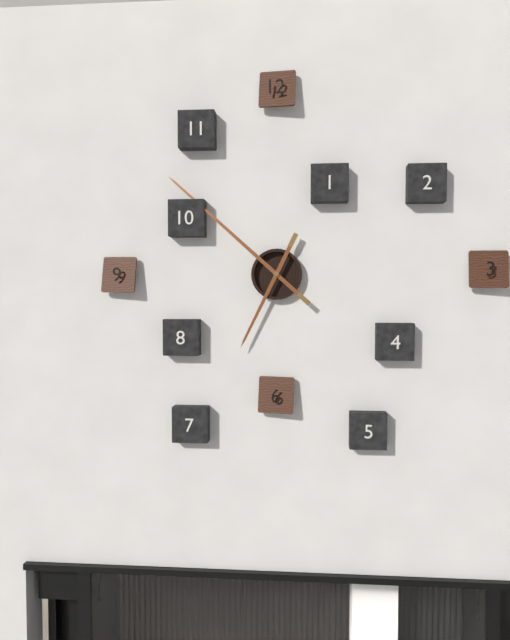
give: {"hour": 6, "minute": 52}
